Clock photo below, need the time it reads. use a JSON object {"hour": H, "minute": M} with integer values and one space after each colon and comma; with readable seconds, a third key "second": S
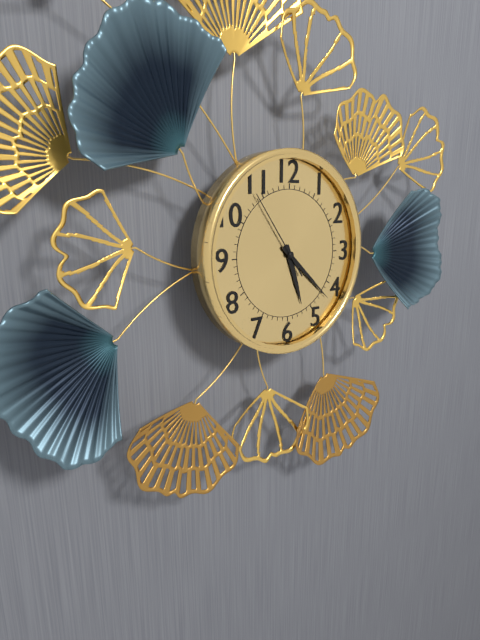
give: {"hour": 5, "minute": 22, "second": 54}
